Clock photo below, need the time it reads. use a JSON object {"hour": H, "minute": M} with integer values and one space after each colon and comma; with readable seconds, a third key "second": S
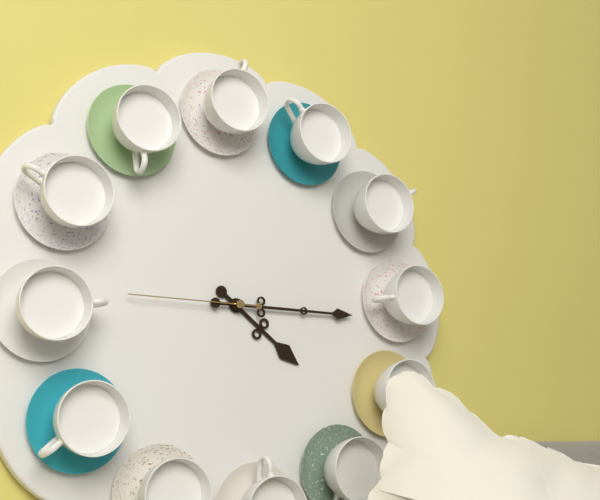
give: {"hour": 4, "minute": 15, "second": 45}
